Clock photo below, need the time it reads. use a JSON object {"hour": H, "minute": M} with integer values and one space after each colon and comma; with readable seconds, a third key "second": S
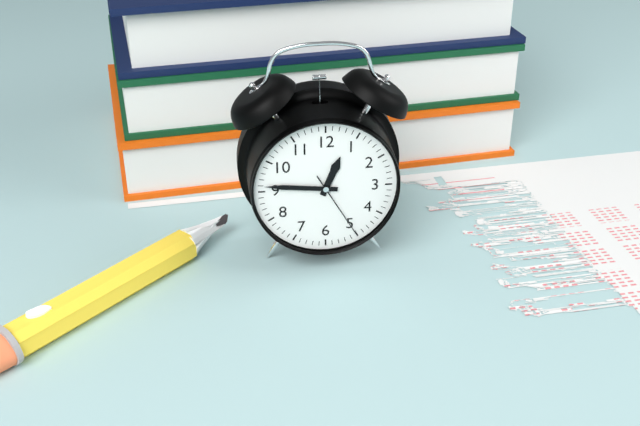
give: {"hour": 12, "minute": 46, "second": 25}
